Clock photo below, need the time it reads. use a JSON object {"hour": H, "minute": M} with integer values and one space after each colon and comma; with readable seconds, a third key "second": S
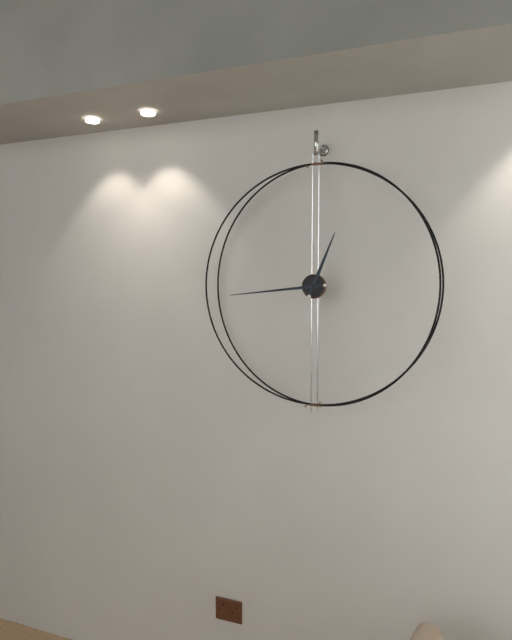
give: {"hour": 12, "minute": 44}
